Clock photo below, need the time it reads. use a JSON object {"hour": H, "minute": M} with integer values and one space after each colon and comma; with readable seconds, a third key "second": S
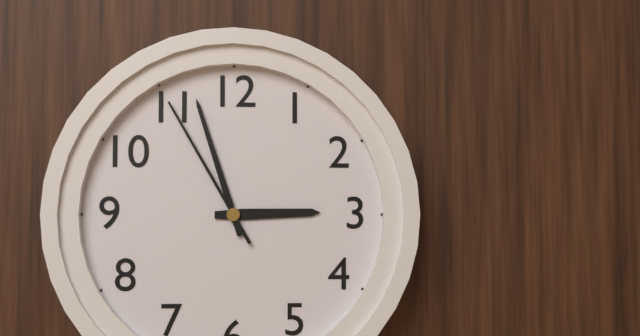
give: {"hour": 2, "minute": 57, "second": 55}
